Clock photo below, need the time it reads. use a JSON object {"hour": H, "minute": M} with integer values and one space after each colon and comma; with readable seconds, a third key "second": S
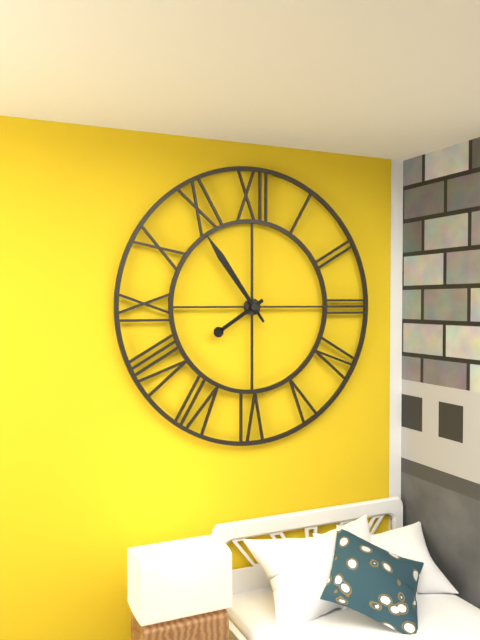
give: {"hour": 7, "minute": 54}
